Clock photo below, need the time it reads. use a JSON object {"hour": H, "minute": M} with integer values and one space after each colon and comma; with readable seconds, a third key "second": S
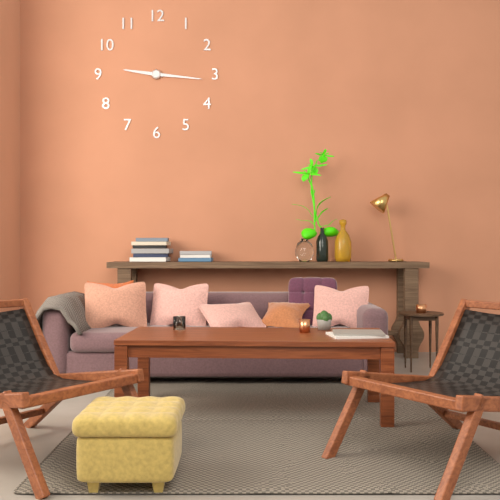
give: {"hour": 9, "minute": 16}
